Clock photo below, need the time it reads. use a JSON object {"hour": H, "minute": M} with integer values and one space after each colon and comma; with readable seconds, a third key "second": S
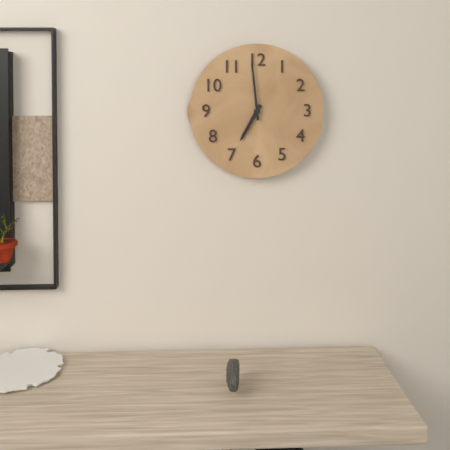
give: {"hour": 6, "minute": 59}
